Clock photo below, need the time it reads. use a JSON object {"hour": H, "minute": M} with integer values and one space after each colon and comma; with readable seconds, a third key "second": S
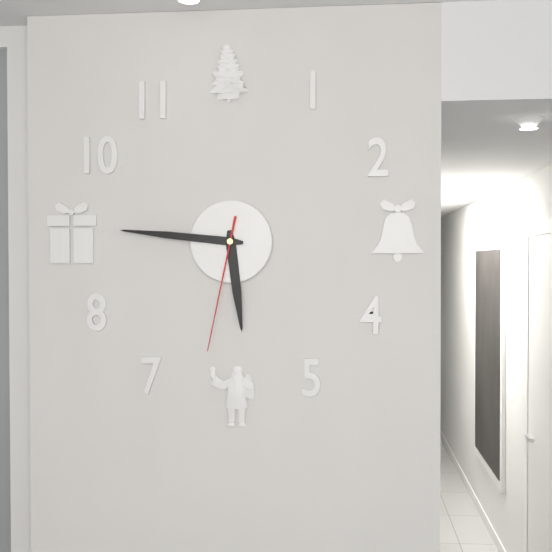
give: {"hour": 5, "minute": 46, "second": 32}
